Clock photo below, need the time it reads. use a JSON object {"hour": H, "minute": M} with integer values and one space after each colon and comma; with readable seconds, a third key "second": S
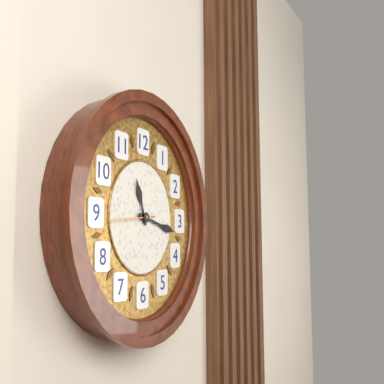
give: {"hour": 11, "minute": 17}
